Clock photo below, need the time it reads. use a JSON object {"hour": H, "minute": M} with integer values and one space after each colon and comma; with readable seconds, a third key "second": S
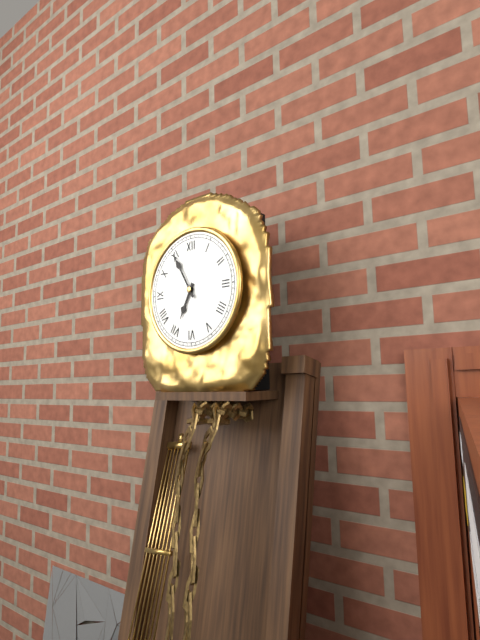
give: {"hour": 6, "minute": 55}
